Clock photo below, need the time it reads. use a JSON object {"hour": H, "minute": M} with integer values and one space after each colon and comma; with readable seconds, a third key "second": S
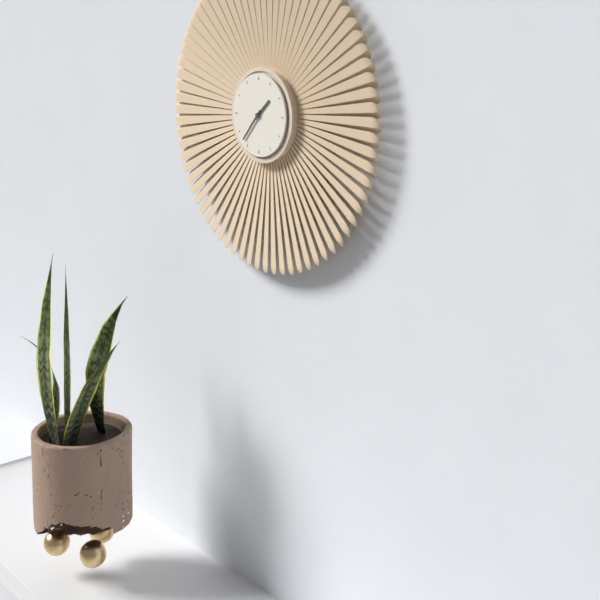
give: {"hour": 1, "minute": 37}
